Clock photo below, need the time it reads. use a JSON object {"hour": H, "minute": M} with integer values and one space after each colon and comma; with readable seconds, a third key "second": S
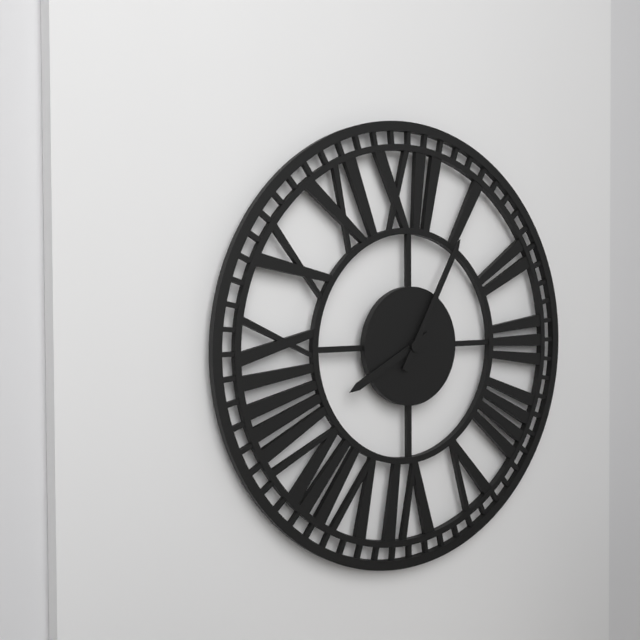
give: {"hour": 8, "minute": 5}
